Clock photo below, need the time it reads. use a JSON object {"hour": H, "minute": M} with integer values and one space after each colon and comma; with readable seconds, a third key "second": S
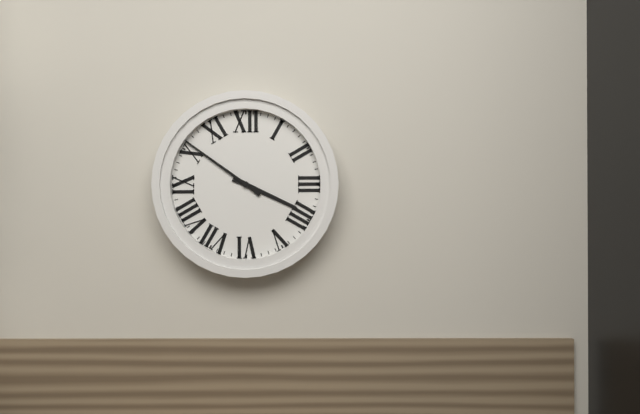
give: {"hour": 3, "minute": 51}
